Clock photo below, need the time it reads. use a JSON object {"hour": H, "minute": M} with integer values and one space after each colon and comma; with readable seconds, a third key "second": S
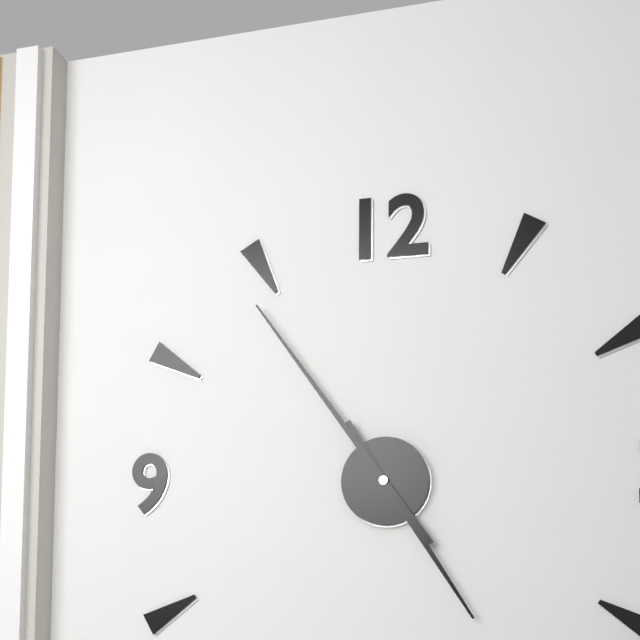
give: {"hour": 4, "minute": 54}
